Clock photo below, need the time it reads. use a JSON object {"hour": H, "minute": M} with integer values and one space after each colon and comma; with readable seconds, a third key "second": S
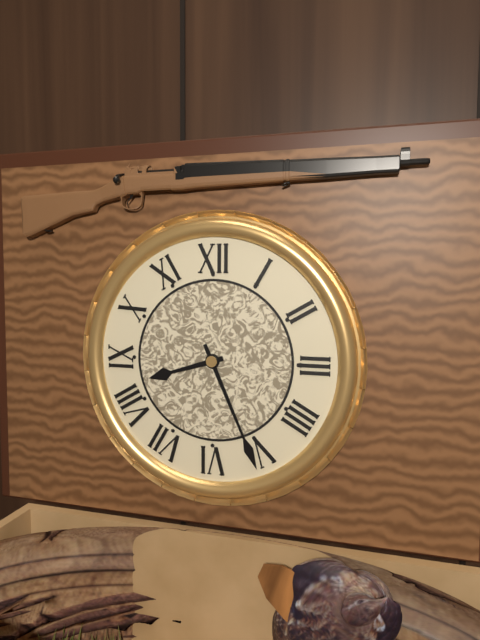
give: {"hour": 8, "minute": 26}
